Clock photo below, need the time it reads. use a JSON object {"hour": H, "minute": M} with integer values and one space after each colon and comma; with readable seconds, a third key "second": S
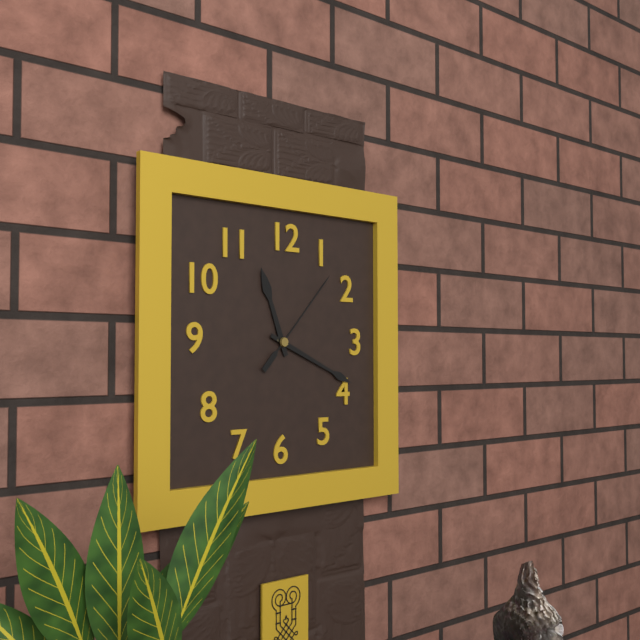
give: {"hour": 11, "minute": 19, "second": 7}
